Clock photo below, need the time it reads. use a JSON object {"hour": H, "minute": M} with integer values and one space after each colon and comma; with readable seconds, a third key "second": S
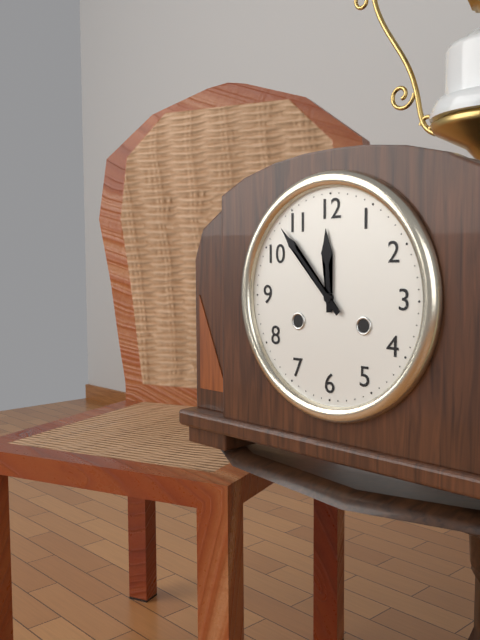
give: {"hour": 11, "minute": 53}
